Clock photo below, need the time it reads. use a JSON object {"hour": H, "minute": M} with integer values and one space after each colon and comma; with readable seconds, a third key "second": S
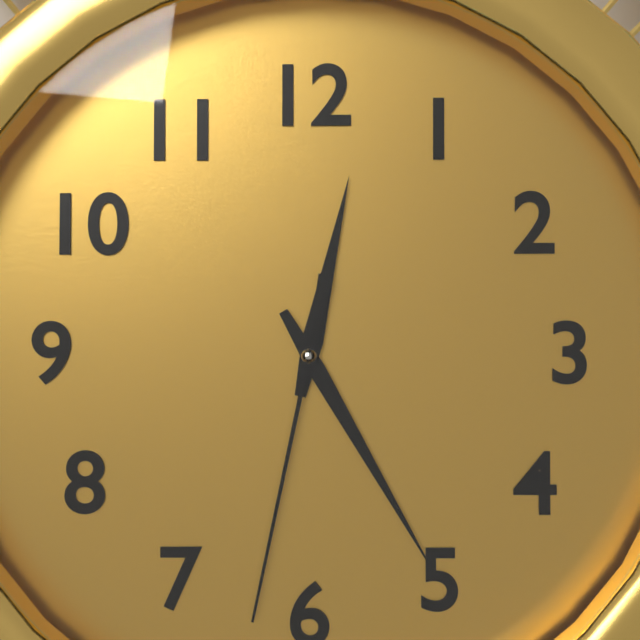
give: {"hour": 12, "minute": 25, "second": 32}
